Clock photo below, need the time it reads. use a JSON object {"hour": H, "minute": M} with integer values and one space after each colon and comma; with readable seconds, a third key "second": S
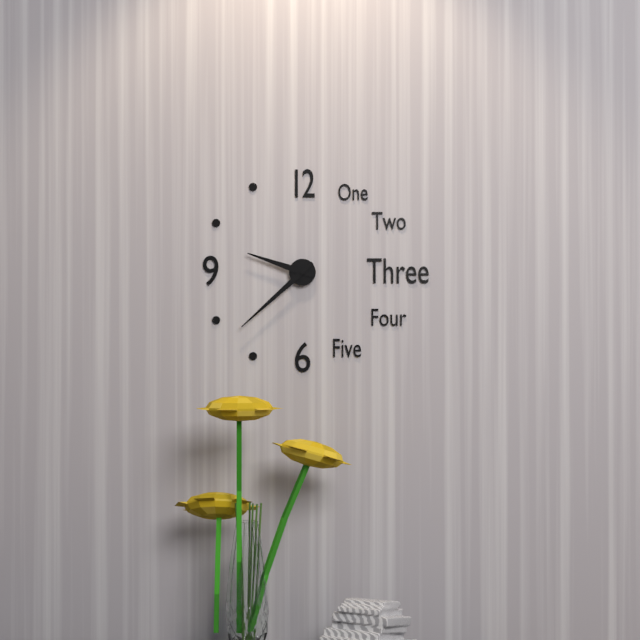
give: {"hour": 9, "minute": 38}
